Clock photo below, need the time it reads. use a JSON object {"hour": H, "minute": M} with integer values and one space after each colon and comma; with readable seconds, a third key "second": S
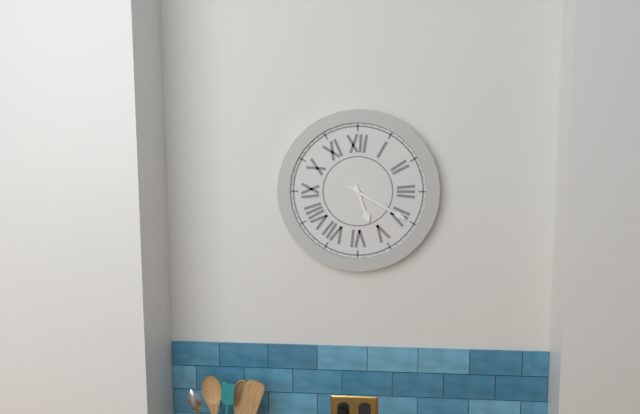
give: {"hour": 5, "minute": 20}
